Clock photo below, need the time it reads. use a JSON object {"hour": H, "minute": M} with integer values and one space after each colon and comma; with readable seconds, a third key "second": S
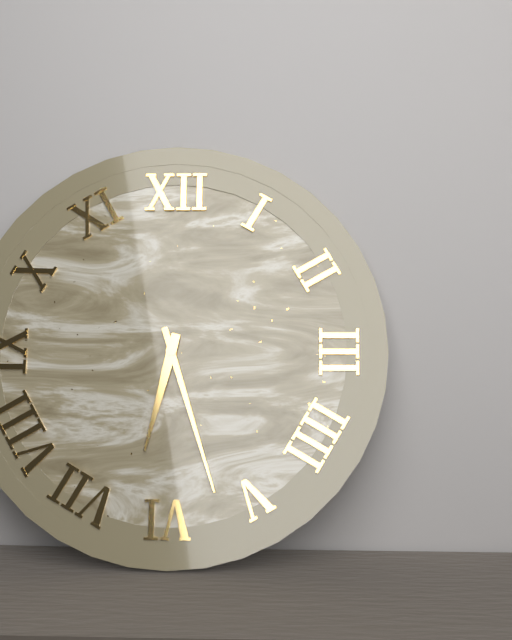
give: {"hour": 6, "minute": 27}
